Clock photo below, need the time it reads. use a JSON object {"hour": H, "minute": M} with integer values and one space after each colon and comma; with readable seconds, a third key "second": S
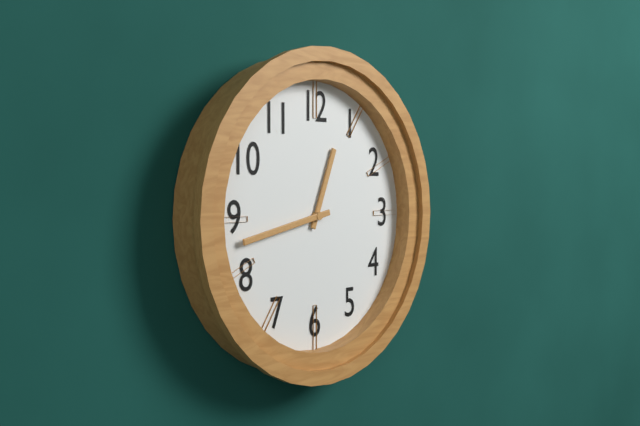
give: {"hour": 12, "minute": 43}
